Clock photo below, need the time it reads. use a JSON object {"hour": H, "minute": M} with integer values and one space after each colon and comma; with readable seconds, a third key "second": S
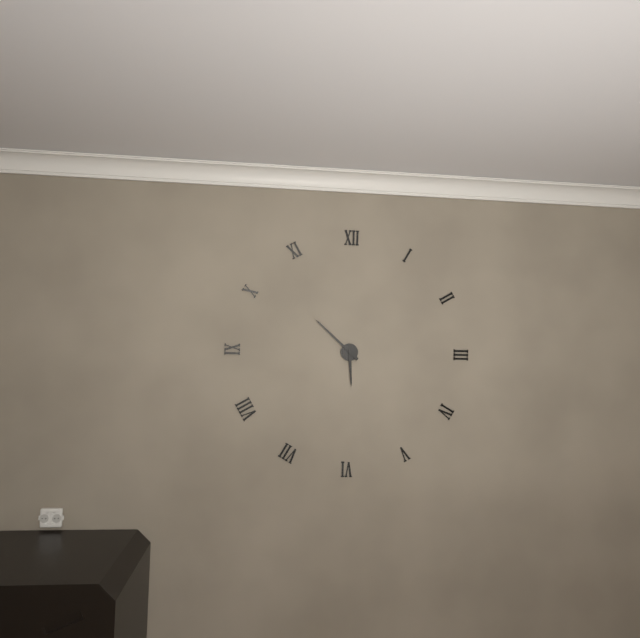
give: {"hour": 5, "minute": 52}
